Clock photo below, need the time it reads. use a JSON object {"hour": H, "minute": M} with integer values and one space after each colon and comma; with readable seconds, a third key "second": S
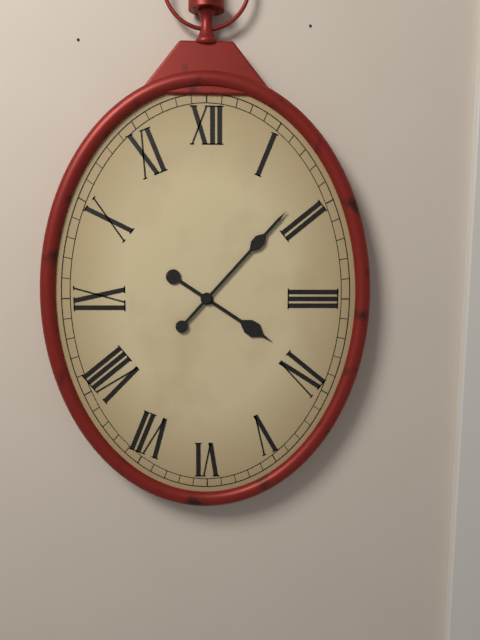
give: {"hour": 4, "minute": 7}
